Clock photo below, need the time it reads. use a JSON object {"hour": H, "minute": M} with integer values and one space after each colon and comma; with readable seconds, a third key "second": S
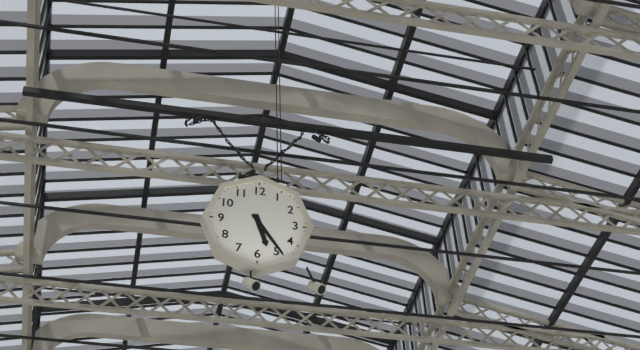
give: {"hour": 5, "minute": 24}
